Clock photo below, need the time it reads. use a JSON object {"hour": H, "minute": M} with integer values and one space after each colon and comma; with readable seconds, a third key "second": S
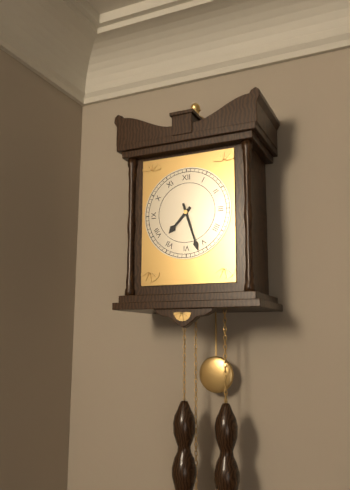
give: {"hour": 7, "minute": 27}
